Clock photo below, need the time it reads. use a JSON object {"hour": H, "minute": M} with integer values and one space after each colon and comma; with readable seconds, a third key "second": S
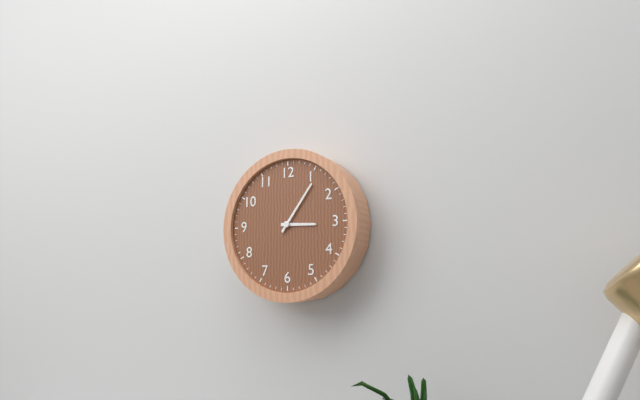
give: {"hour": 3, "minute": 6}
